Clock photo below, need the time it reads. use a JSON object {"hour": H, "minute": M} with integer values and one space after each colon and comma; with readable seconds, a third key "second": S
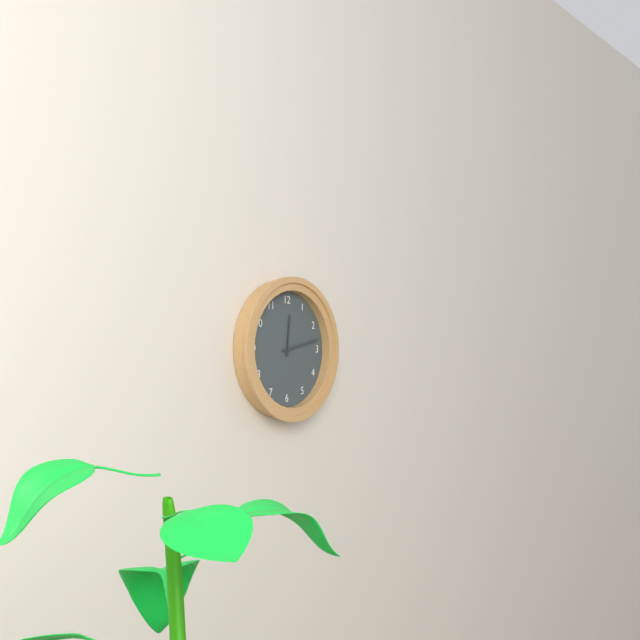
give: {"hour": 12, "minute": 13}
